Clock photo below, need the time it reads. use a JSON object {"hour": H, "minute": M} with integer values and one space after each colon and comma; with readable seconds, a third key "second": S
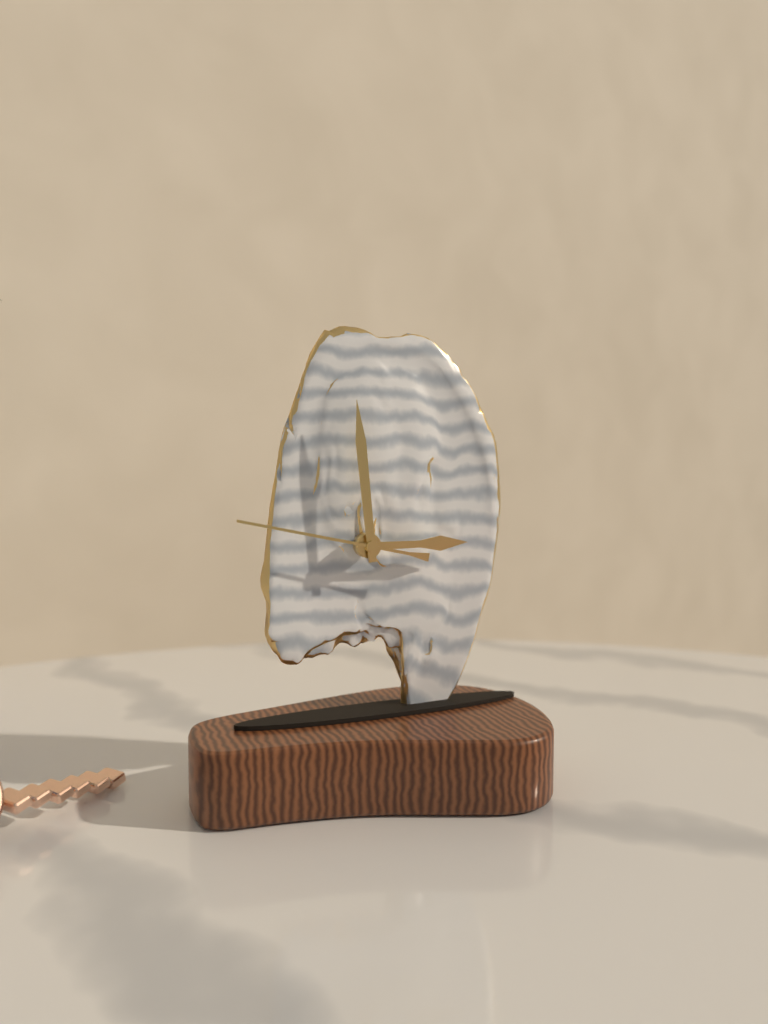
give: {"hour": 2, "minute": 59, "second": 47}
